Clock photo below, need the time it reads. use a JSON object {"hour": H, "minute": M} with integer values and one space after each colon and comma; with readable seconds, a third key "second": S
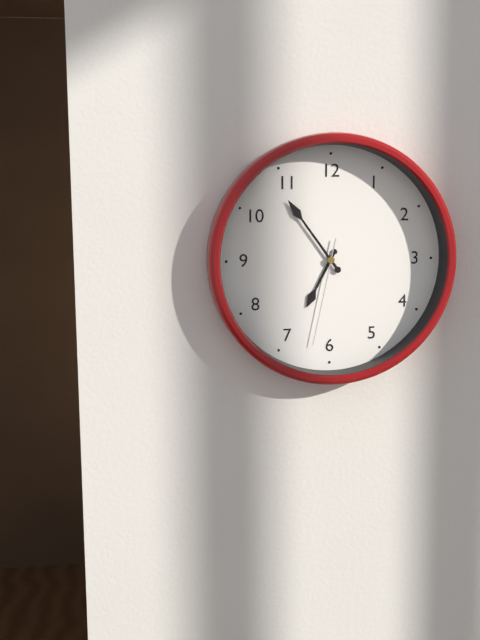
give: {"hour": 6, "minute": 54, "second": 32}
